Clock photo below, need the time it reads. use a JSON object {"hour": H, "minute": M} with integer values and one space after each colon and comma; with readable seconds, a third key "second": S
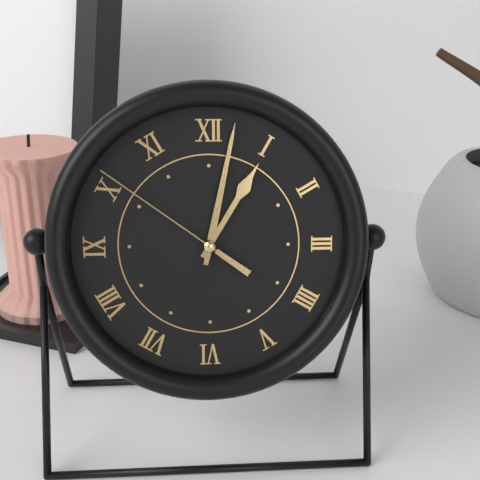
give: {"hour": 1, "minute": 2, "second": 51}
